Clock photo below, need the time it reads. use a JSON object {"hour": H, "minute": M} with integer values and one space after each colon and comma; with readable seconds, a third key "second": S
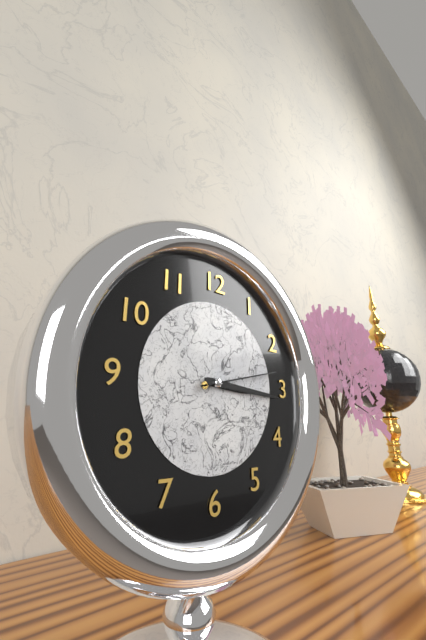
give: {"hour": 3, "minute": 16, "second": 13}
